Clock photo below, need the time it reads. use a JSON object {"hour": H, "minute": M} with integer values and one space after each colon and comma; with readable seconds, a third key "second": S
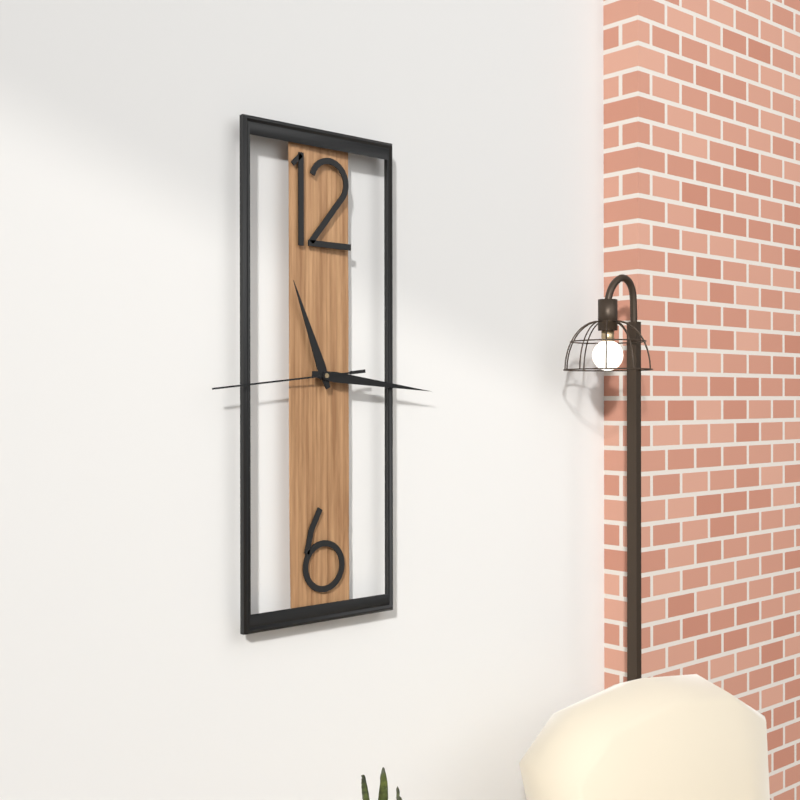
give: {"hour": 11, "minute": 16, "second": 44}
